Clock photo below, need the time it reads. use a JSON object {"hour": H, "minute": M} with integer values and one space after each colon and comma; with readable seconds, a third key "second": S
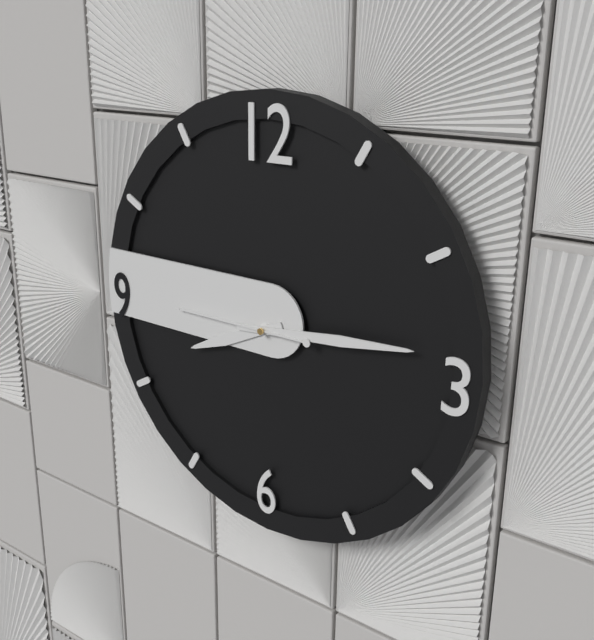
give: {"hour": 8, "minute": 14, "second": 45}
